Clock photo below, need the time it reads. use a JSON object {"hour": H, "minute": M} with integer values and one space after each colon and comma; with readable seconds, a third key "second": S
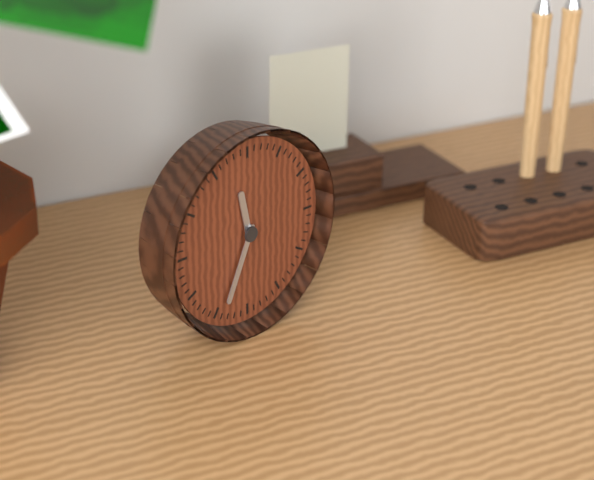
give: {"hour": 11, "minute": 34}
